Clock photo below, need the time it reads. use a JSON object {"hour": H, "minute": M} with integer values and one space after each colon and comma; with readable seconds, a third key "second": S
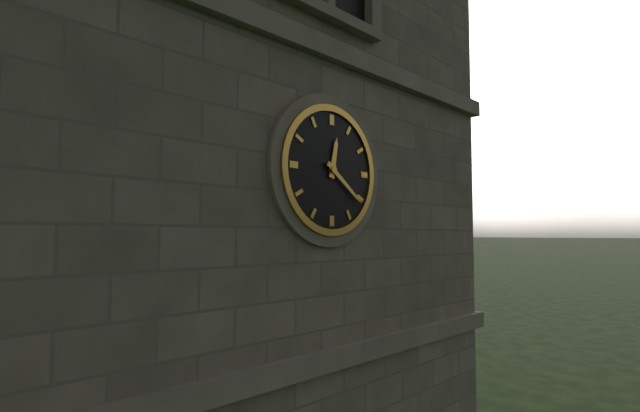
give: {"hour": 12, "minute": 21}
